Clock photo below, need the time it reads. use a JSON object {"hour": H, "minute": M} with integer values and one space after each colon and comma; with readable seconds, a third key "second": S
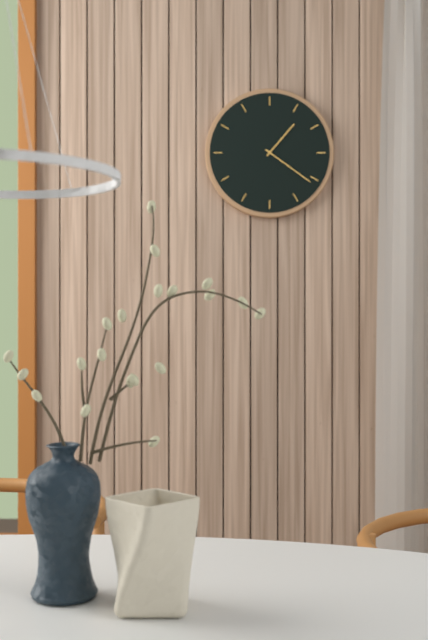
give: {"hour": 1, "minute": 21}
